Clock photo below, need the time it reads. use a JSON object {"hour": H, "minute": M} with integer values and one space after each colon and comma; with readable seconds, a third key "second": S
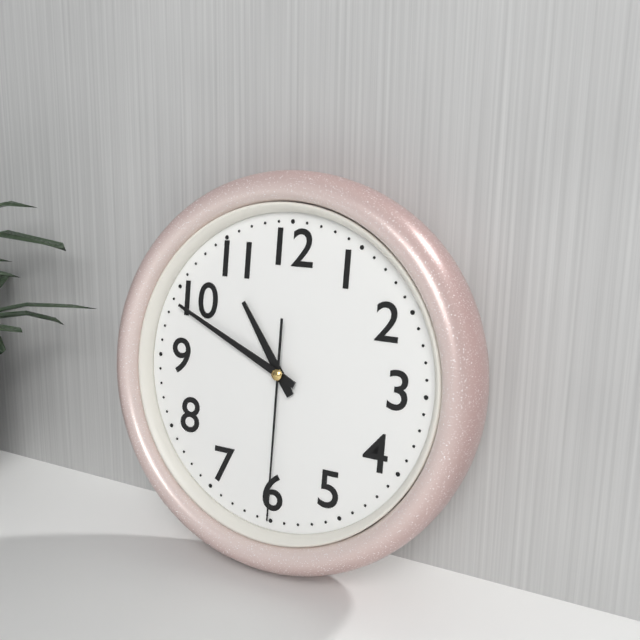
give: {"hour": 10, "minute": 49, "second": 30}
